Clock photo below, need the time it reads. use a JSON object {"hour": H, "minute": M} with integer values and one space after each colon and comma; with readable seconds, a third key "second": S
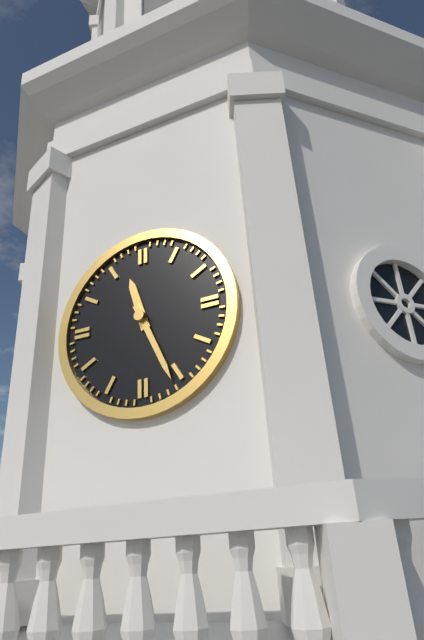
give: {"hour": 11, "minute": 26}
